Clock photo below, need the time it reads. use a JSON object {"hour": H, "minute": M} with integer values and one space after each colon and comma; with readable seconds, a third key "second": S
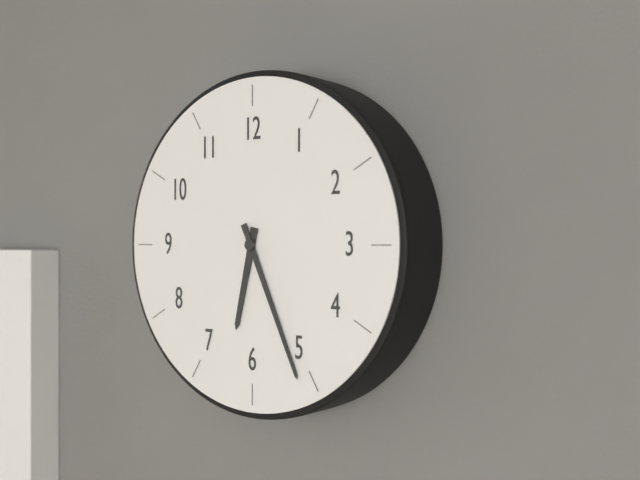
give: {"hour": 6, "minute": 26}
